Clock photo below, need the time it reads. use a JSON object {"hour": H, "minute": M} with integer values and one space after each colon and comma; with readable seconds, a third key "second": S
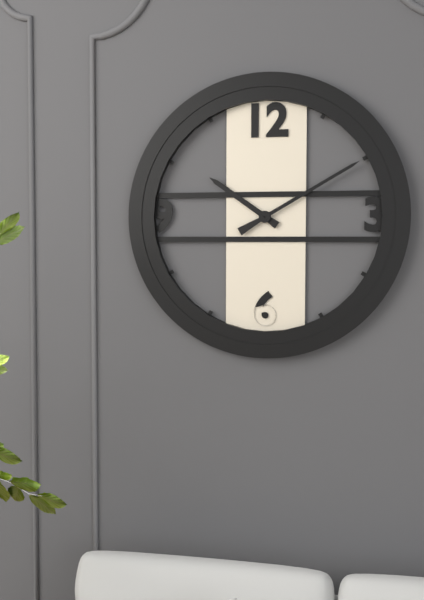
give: {"hour": 10, "minute": 10}
